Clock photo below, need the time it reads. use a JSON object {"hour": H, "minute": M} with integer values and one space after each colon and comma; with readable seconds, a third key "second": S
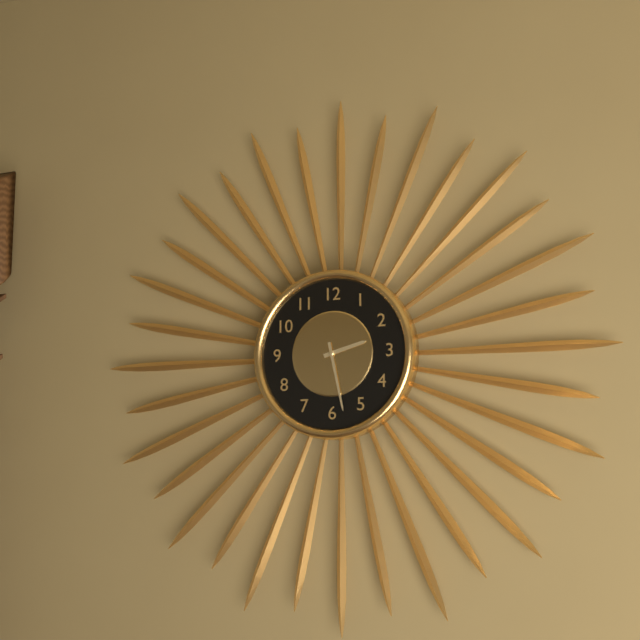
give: {"hour": 2, "minute": 28}
